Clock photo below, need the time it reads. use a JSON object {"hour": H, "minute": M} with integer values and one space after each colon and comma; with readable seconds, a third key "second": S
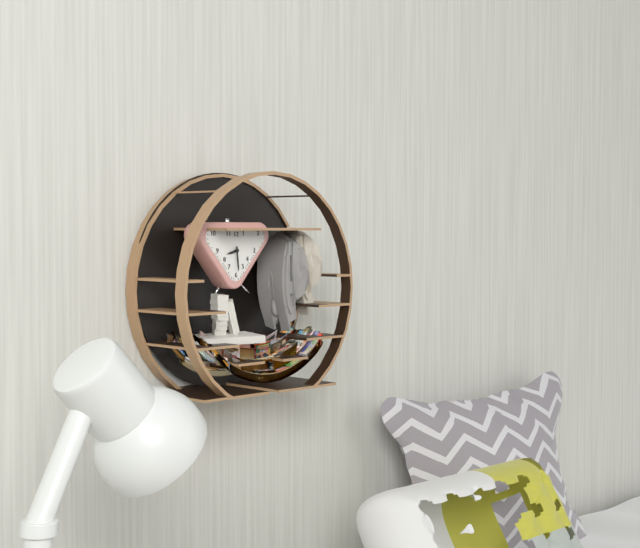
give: {"hour": 8, "minute": 29}
